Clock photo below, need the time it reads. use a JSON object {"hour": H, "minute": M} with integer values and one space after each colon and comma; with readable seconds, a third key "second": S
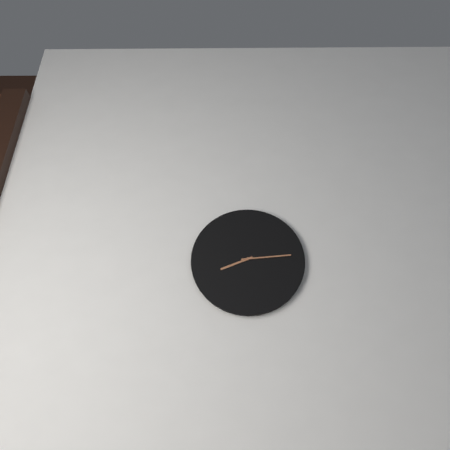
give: {"hour": 8, "minute": 14}
